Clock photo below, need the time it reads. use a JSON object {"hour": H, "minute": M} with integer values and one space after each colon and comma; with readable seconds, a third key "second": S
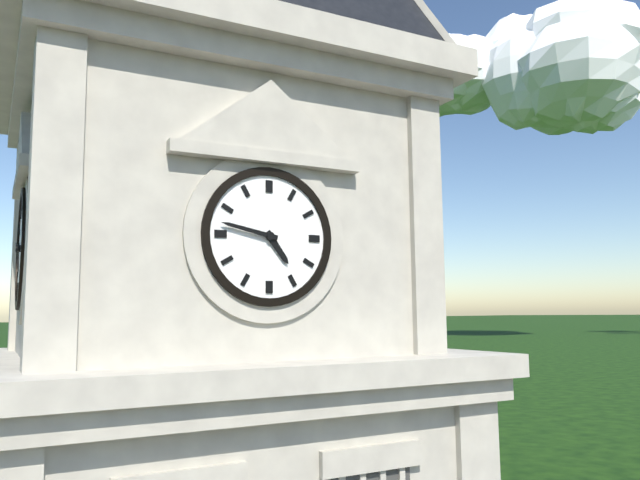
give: {"hour": 4, "minute": 47}
